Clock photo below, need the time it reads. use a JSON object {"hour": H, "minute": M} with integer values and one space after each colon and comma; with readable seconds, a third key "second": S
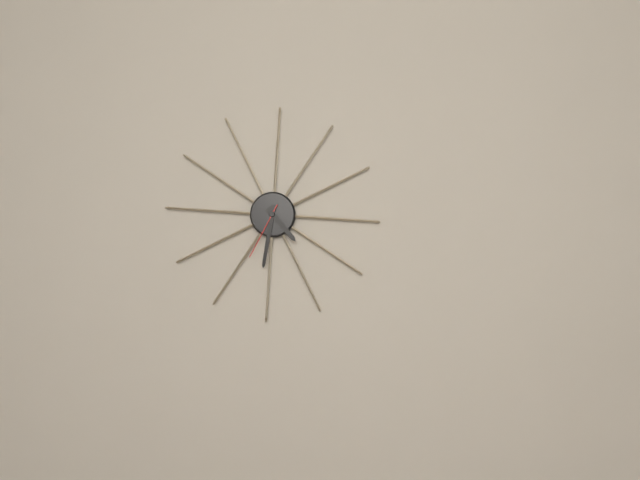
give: {"hour": 4, "minute": 31, "second": 34}
